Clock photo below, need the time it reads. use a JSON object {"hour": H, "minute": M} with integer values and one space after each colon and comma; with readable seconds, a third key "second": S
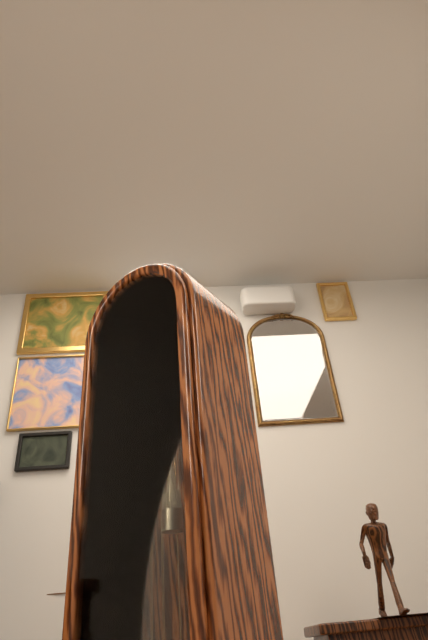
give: {"hour": 8, "minute": 10}
